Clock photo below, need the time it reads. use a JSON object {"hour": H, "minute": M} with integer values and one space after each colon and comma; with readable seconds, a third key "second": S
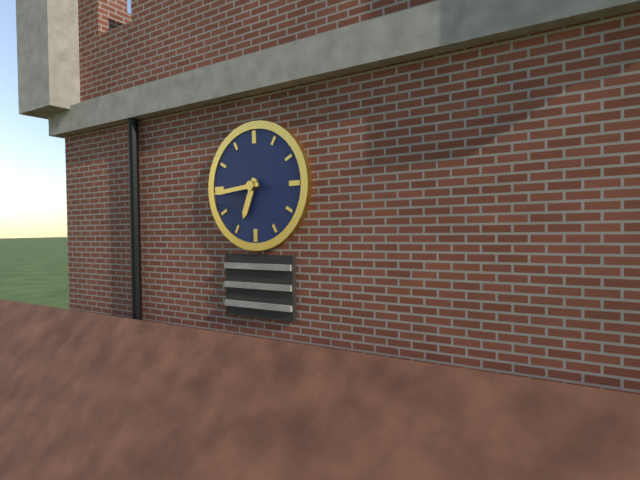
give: {"hour": 6, "minute": 44}
